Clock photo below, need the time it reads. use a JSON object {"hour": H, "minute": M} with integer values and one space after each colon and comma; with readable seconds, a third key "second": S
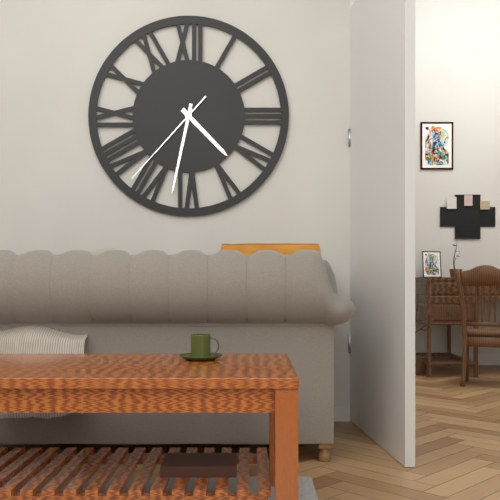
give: {"hour": 4, "minute": 32, "second": 37}
